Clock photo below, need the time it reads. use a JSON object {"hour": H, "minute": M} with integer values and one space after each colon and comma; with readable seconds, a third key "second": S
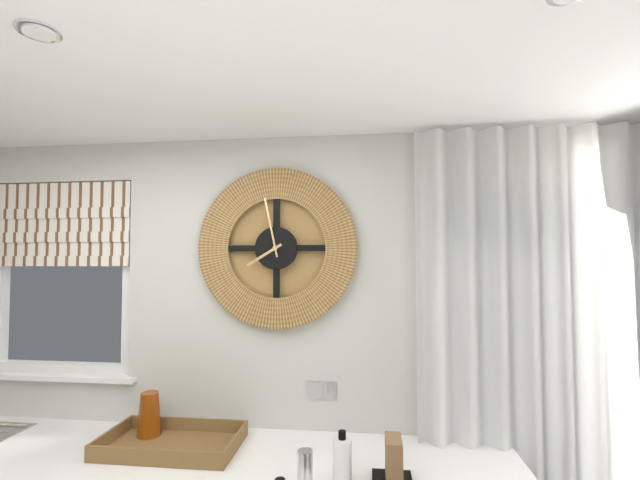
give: {"hour": 7, "minute": 58}
